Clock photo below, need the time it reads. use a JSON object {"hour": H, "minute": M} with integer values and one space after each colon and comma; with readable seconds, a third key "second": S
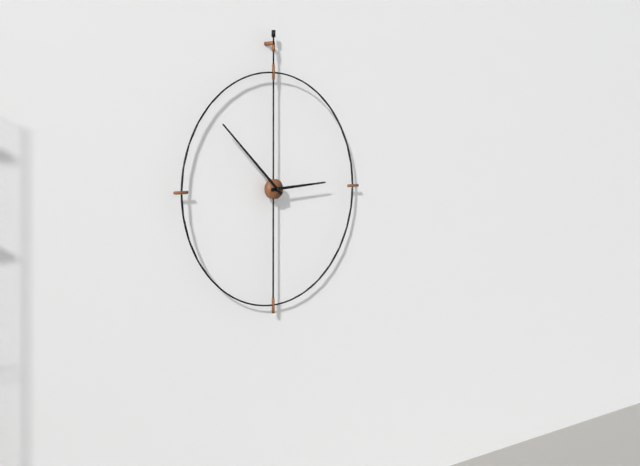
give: {"hour": 2, "minute": 52}
